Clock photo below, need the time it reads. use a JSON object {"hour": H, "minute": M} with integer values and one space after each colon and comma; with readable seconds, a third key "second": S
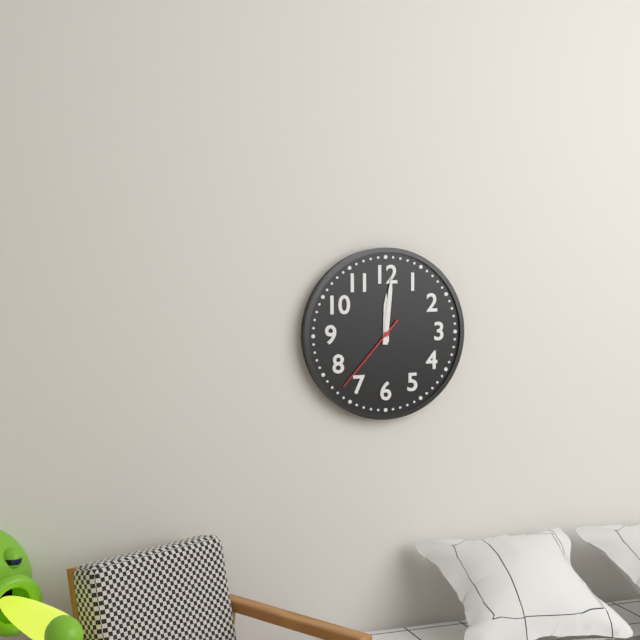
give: {"hour": 12, "minute": 1, "second": 37}
